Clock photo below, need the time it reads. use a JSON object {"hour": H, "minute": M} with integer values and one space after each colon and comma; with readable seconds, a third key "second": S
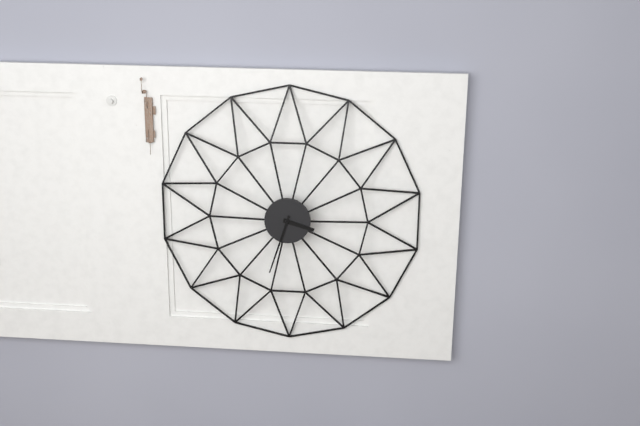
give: {"hour": 3, "minute": 33}
